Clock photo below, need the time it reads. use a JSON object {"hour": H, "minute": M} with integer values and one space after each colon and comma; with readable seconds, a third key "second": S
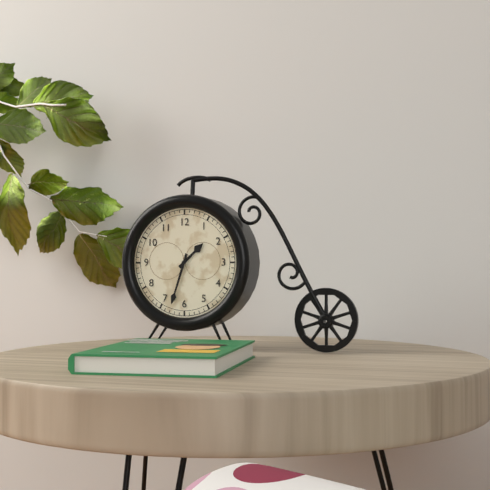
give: {"hour": 1, "minute": 33}
